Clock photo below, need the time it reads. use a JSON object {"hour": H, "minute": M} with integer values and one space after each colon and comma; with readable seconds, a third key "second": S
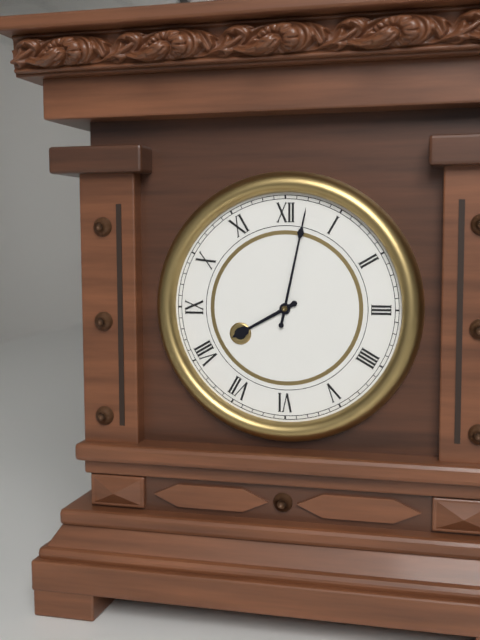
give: {"hour": 8, "minute": 2}
